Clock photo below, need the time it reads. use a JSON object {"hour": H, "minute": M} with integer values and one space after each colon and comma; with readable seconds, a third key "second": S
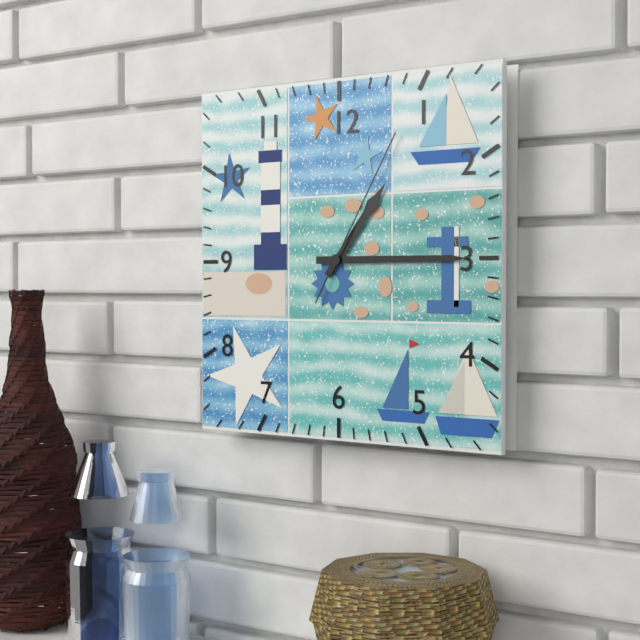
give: {"hour": 1, "minute": 15, "second": 5}
